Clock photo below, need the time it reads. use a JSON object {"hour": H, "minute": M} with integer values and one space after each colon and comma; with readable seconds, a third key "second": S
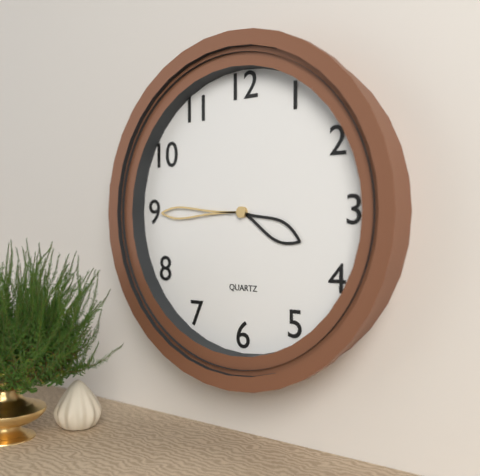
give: {"hour": 3, "minute": 45}
